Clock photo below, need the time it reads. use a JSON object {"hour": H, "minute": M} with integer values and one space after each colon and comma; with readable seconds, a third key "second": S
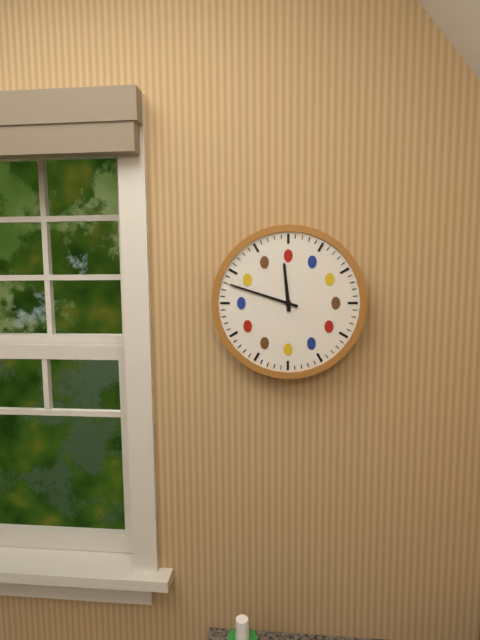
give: {"hour": 11, "minute": 48}
